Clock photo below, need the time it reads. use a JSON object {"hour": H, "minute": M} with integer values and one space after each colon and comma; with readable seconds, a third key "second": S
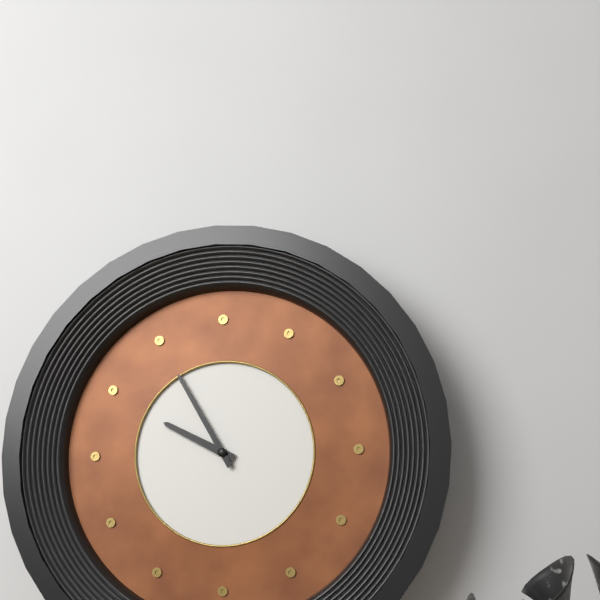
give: {"hour": 9, "minute": 55}
